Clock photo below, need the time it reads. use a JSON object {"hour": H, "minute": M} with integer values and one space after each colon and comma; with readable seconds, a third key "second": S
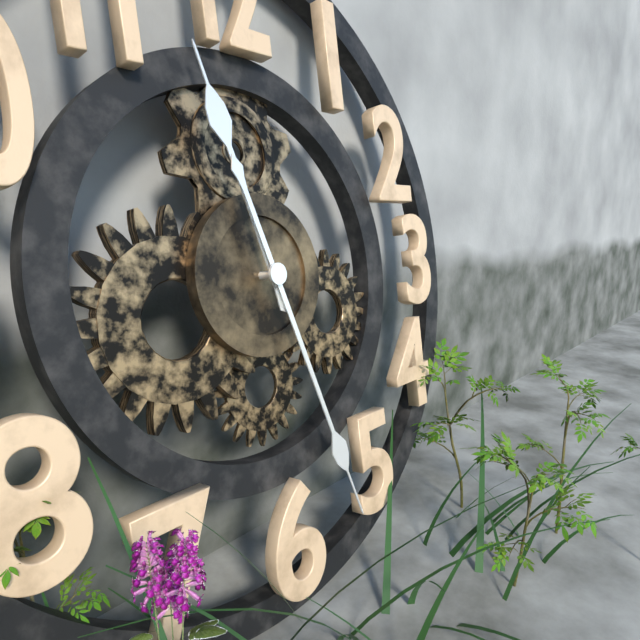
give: {"hour": 11, "minute": 27}
